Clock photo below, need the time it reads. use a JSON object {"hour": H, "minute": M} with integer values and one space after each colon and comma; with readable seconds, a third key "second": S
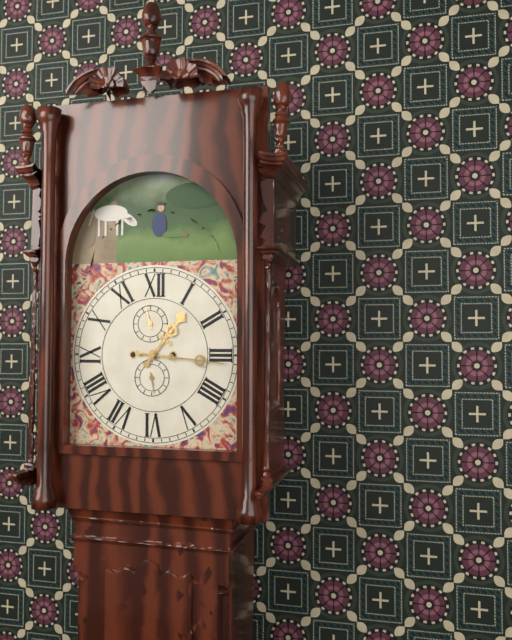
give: {"hour": 1, "minute": 16}
